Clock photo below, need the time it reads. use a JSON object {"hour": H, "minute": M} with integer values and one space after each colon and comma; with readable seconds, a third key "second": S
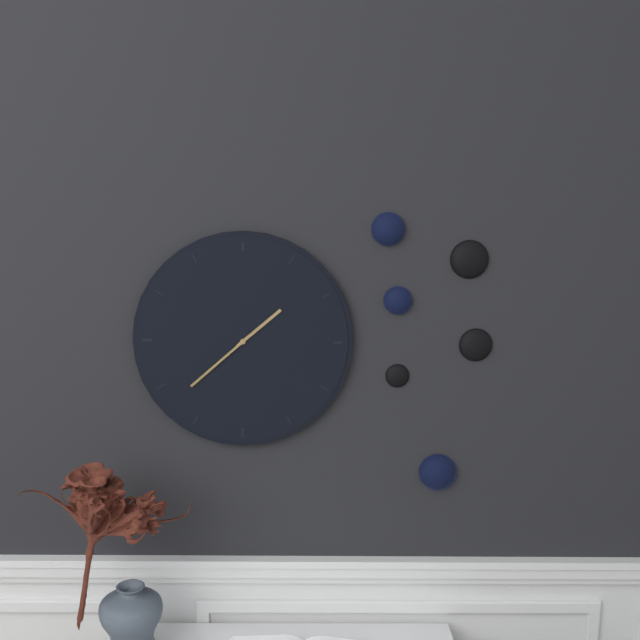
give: {"hour": 1, "minute": 38}
